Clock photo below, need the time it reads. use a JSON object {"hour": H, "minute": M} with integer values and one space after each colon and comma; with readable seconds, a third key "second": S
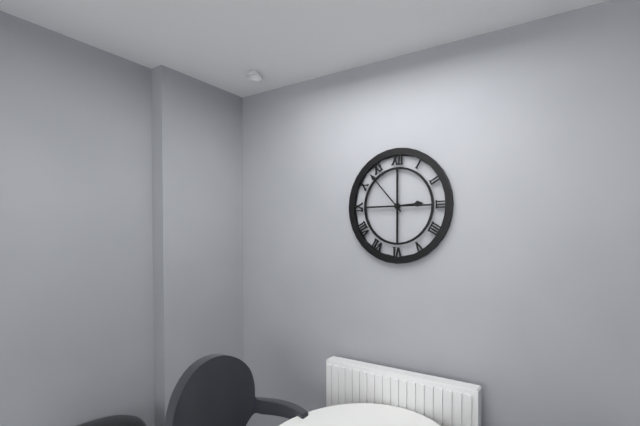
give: {"hour": 2, "minute": 53}
